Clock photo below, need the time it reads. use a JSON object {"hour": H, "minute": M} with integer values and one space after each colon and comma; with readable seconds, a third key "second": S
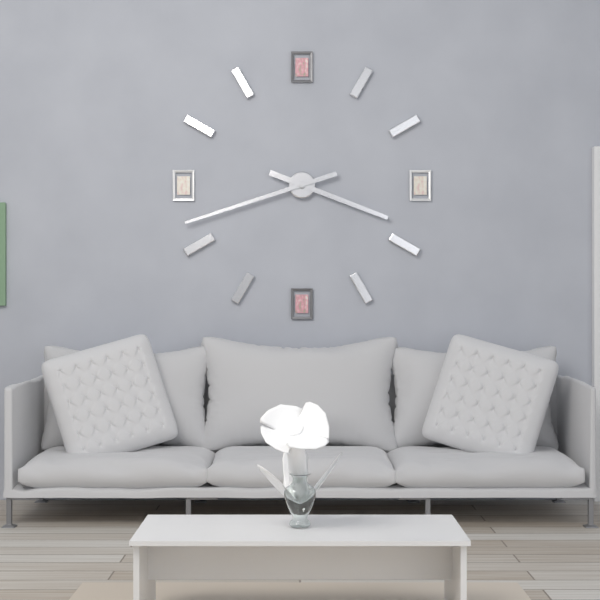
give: {"hour": 3, "minute": 42}
